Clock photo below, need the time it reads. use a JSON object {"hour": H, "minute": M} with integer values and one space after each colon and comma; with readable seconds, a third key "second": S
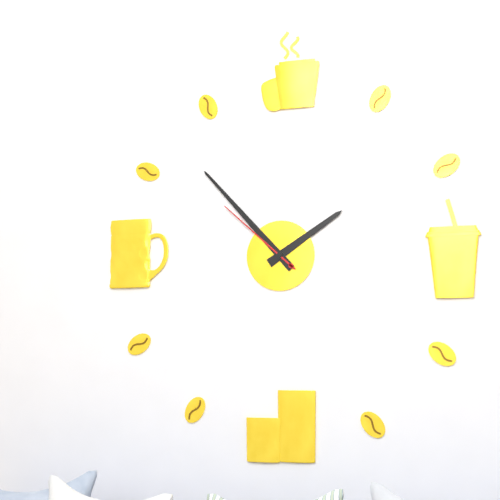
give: {"hour": 1, "minute": 53, "second": 52}
